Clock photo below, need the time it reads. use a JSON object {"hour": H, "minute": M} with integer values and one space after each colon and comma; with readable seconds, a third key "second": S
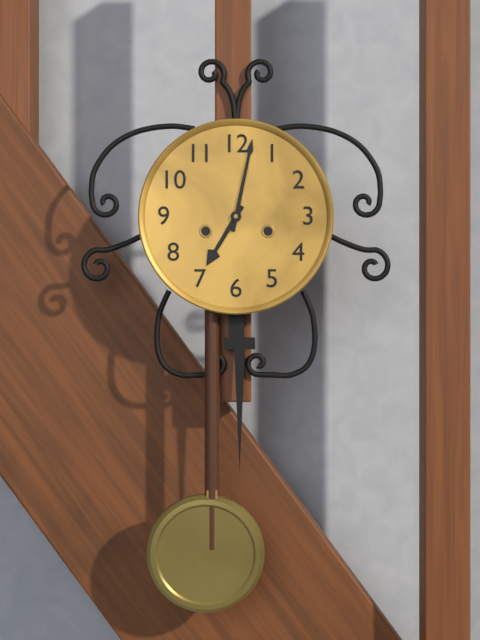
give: {"hour": 7, "minute": 2}
